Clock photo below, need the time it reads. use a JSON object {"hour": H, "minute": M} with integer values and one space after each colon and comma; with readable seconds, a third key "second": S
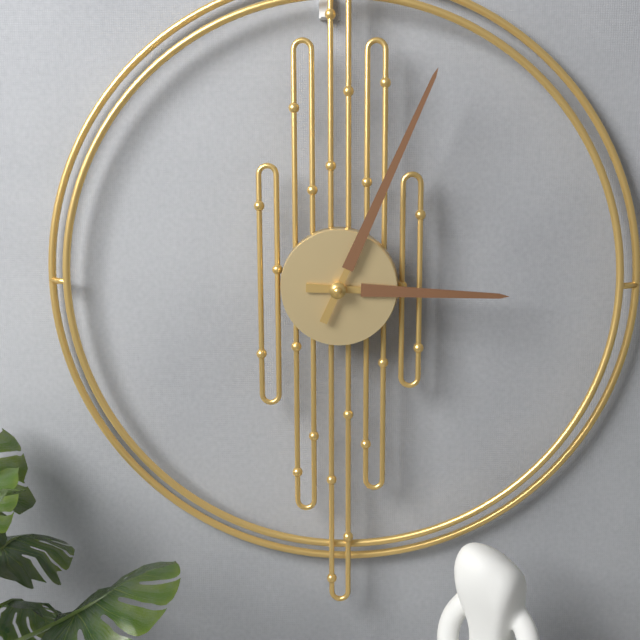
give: {"hour": 3, "minute": 4}
